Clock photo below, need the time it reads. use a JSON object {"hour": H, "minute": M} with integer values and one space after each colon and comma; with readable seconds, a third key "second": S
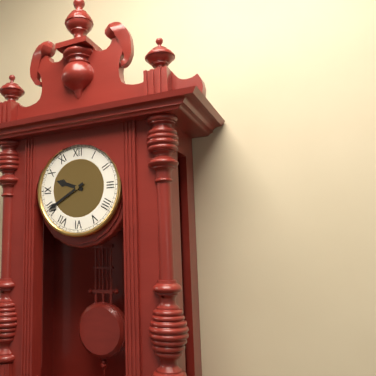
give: {"hour": 9, "minute": 40}
